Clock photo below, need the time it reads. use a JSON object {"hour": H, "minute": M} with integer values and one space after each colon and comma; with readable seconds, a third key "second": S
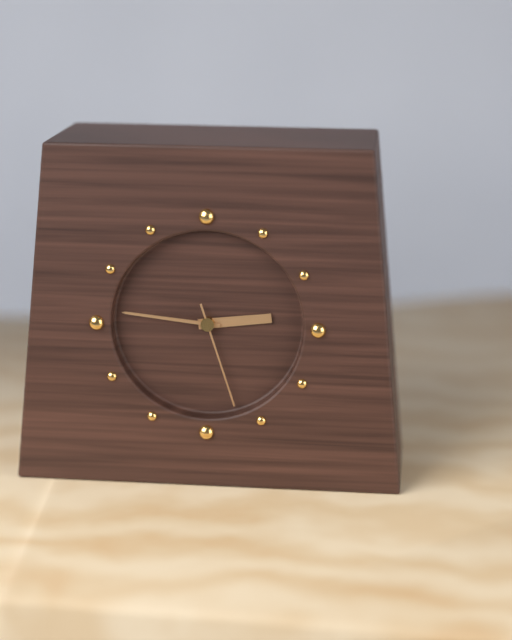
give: {"hour": 2, "minute": 46, "second": 27}
